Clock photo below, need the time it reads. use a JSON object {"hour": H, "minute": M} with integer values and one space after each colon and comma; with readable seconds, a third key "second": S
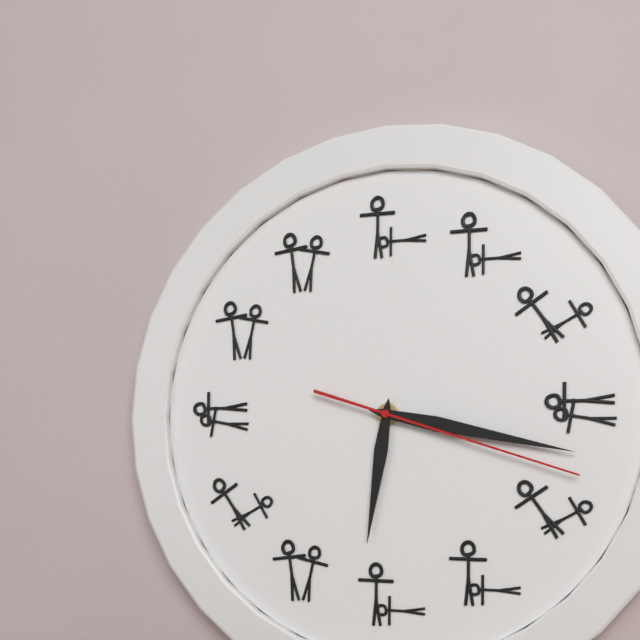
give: {"hour": 6, "minute": 17, "second": 18}
